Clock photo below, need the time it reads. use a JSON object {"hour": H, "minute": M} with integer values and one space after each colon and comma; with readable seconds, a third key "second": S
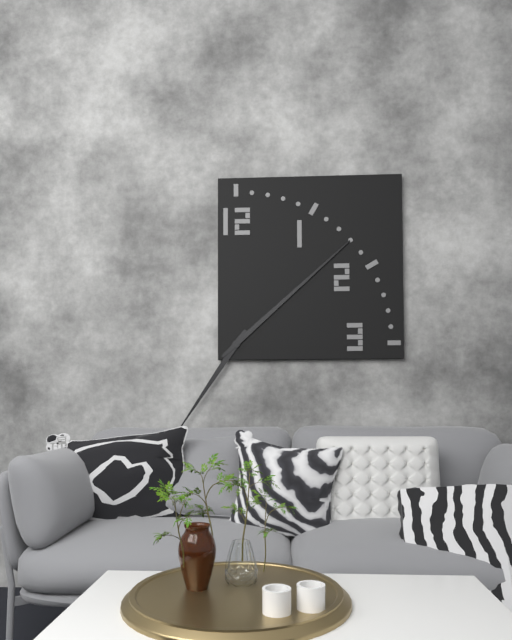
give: {"hour": 7, "minute": 8}
